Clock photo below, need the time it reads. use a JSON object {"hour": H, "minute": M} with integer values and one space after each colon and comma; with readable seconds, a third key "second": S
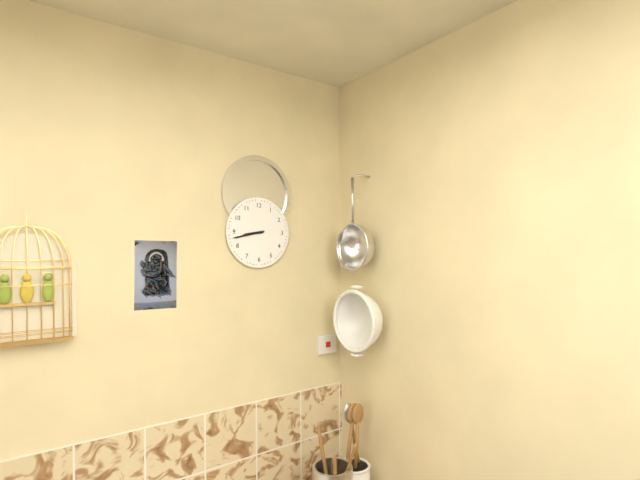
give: {"hour": 8, "minute": 43}
